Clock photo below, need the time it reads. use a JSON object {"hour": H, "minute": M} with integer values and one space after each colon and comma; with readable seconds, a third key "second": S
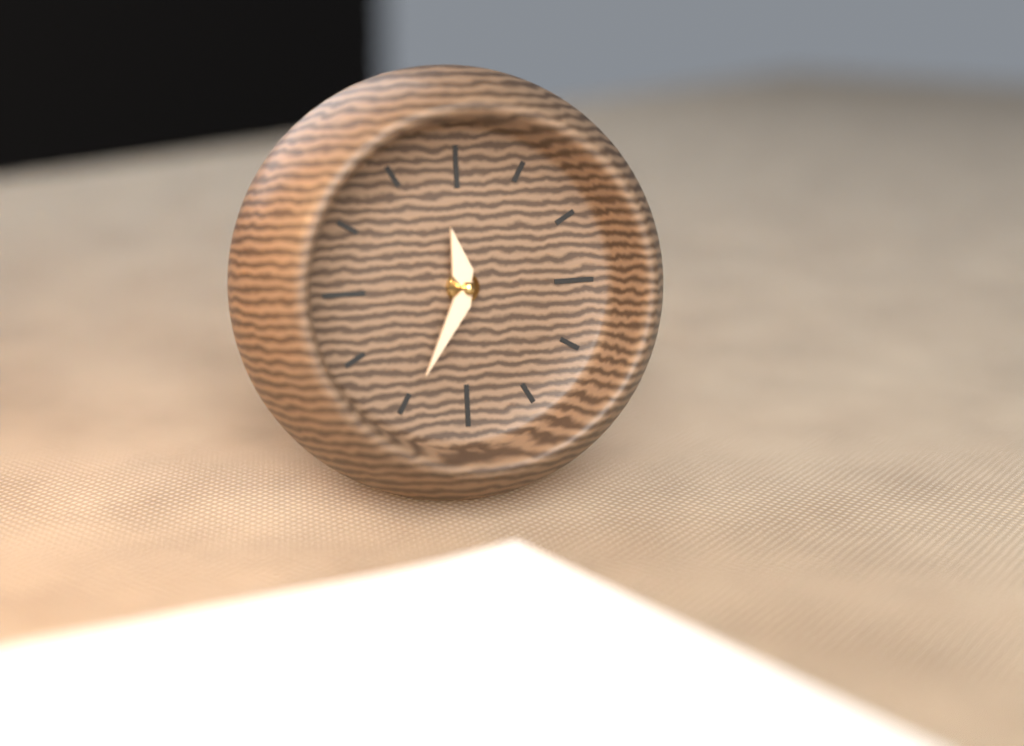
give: {"hour": 11, "minute": 35}
